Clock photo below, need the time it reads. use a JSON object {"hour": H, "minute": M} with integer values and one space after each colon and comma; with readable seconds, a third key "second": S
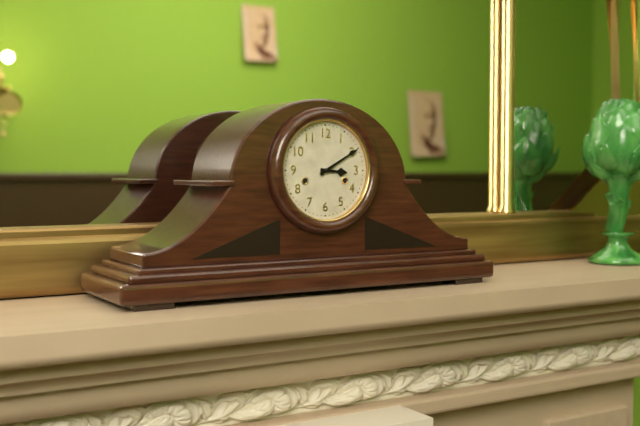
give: {"hour": 3, "minute": 10}
